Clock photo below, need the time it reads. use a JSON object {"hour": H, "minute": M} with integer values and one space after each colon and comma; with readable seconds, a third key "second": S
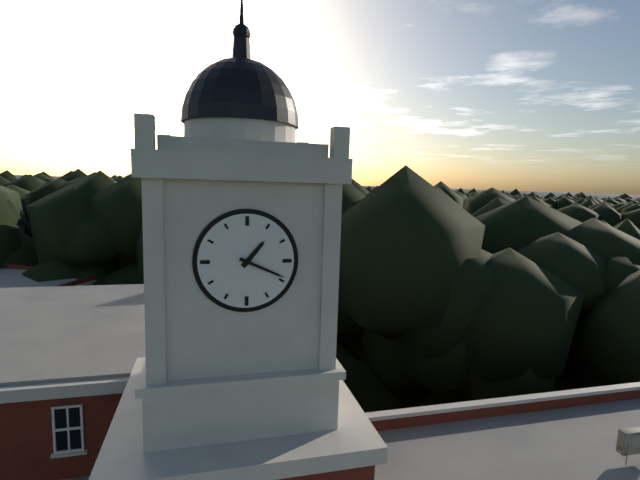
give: {"hour": 1, "minute": 19}
